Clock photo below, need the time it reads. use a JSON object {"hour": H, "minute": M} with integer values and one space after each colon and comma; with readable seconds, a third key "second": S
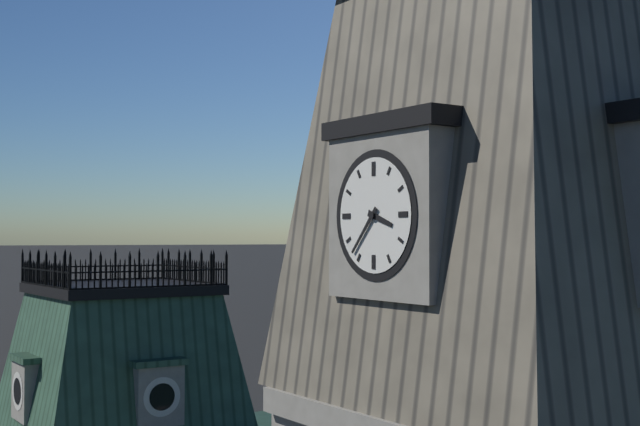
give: {"hour": 3, "minute": 37}
